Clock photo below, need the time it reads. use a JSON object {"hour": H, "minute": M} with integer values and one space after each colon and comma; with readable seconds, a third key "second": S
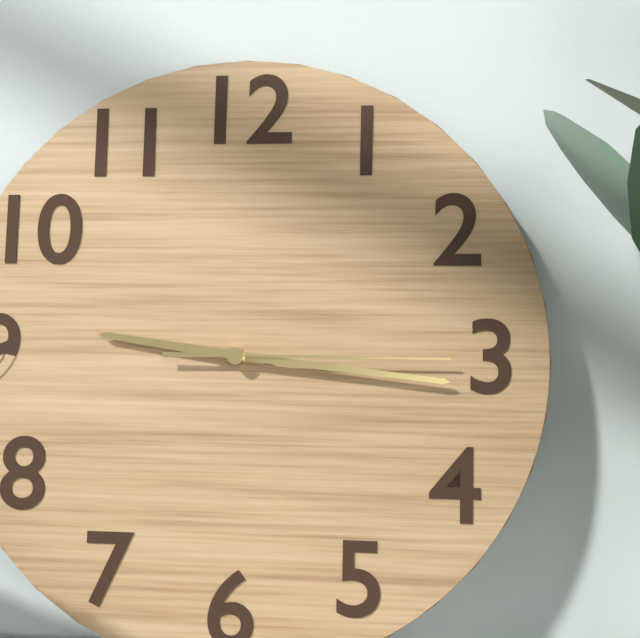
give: {"hour": 9, "minute": 16, "second": 15}
